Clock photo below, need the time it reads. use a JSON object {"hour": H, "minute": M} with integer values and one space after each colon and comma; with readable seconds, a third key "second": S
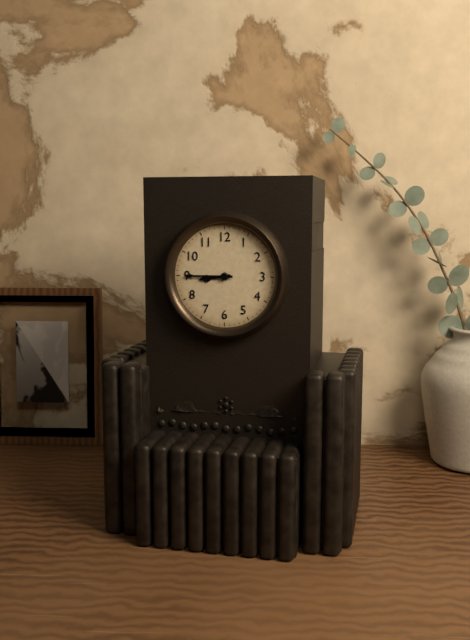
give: {"hour": 8, "minute": 45}
